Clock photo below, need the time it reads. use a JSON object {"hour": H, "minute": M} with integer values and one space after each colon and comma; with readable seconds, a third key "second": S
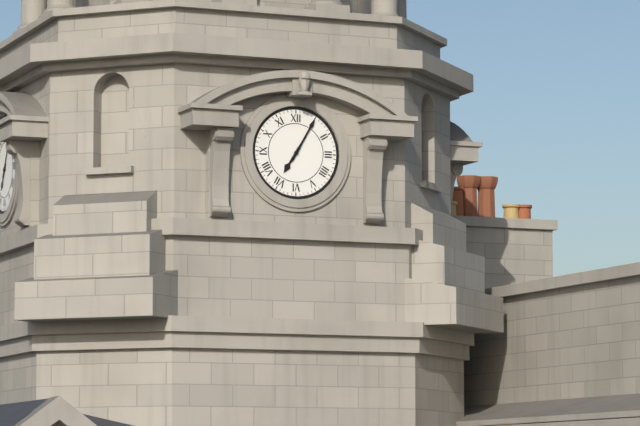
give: {"hour": 7, "minute": 5}
